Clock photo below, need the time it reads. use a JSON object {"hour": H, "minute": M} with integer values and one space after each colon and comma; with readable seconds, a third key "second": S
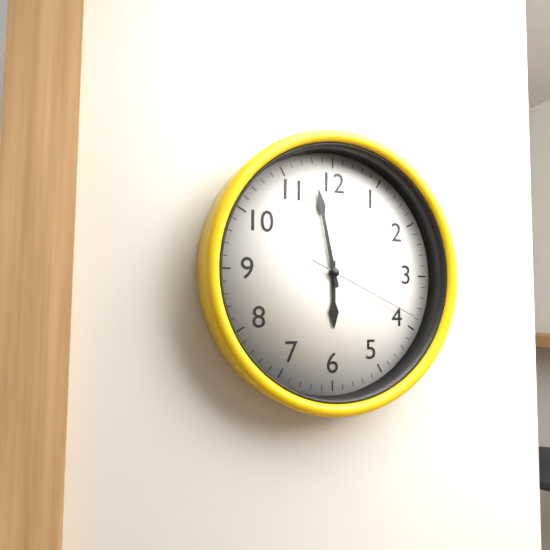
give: {"hour": 5, "minute": 58, "second": 19}
